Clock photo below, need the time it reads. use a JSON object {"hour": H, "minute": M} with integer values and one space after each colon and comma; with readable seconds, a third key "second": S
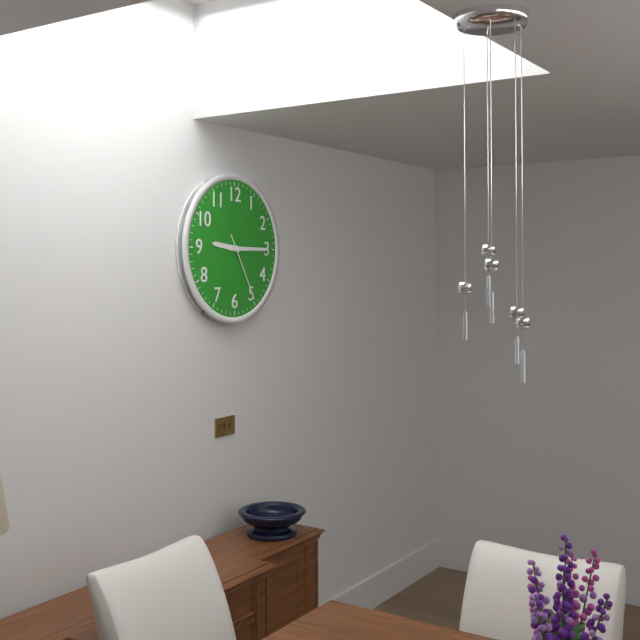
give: {"hour": 9, "minute": 15, "second": 25}
